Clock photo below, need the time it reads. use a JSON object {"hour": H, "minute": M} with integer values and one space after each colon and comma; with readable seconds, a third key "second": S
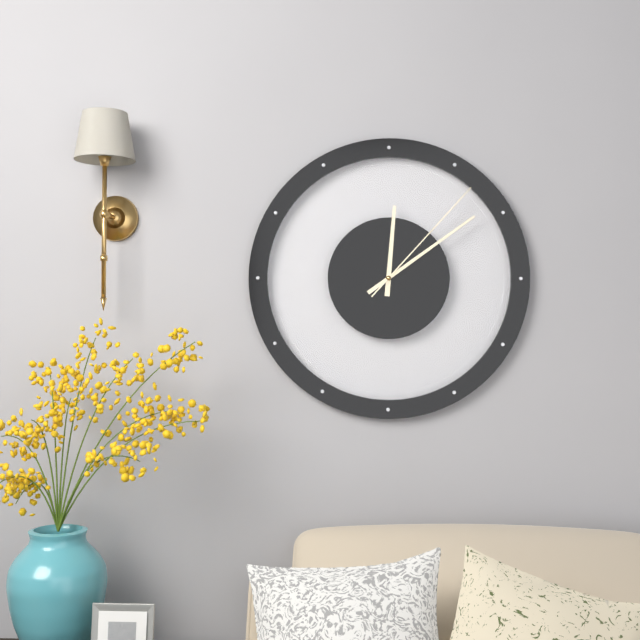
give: {"hour": 12, "minute": 9, "second": 7}
